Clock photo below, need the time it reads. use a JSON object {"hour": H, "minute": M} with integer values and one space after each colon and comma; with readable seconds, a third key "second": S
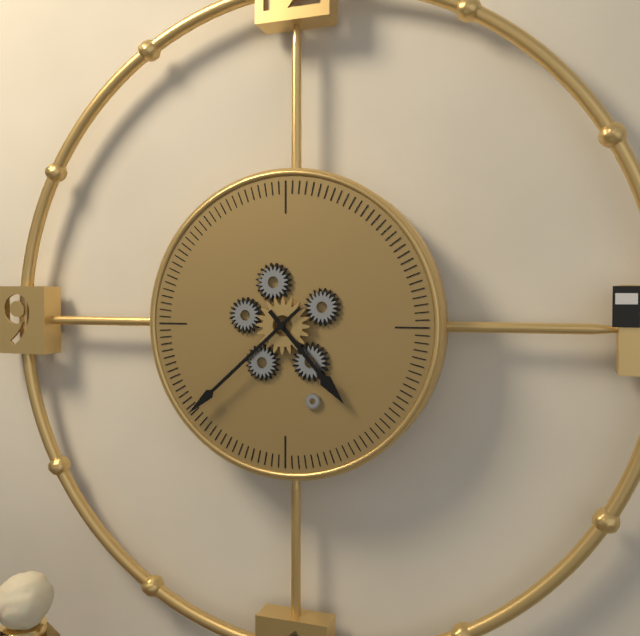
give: {"hour": 4, "minute": 38}
